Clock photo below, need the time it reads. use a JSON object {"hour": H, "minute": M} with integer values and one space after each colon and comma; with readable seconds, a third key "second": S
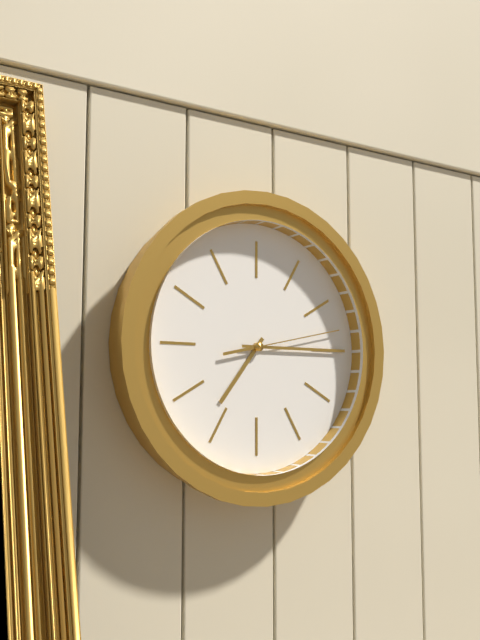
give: {"hour": 7, "minute": 15, "second": 13}
